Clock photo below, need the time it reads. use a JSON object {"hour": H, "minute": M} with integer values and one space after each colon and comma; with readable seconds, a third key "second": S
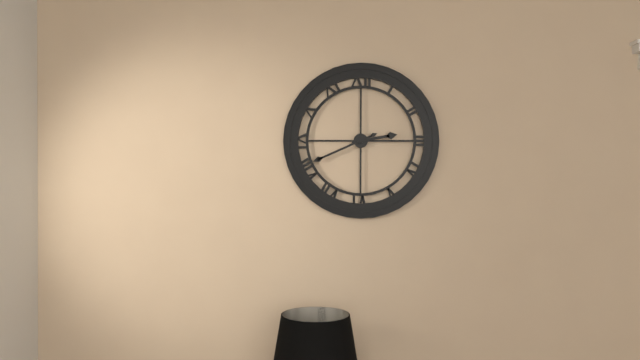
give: {"hour": 2, "minute": 41}
